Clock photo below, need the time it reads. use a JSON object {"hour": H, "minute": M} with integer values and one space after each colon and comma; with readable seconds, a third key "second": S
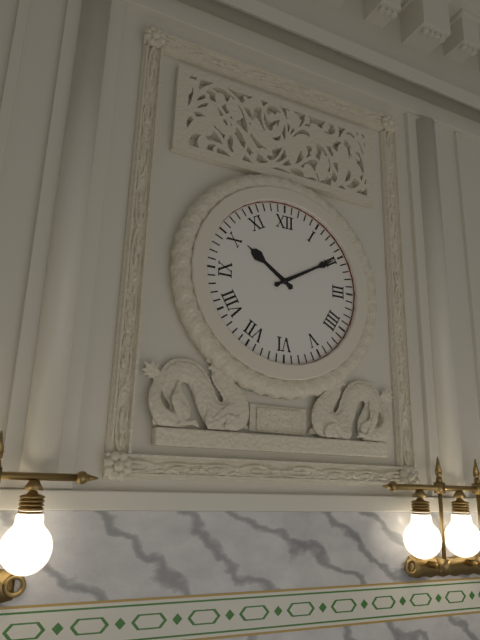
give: {"hour": 10, "minute": 10}
